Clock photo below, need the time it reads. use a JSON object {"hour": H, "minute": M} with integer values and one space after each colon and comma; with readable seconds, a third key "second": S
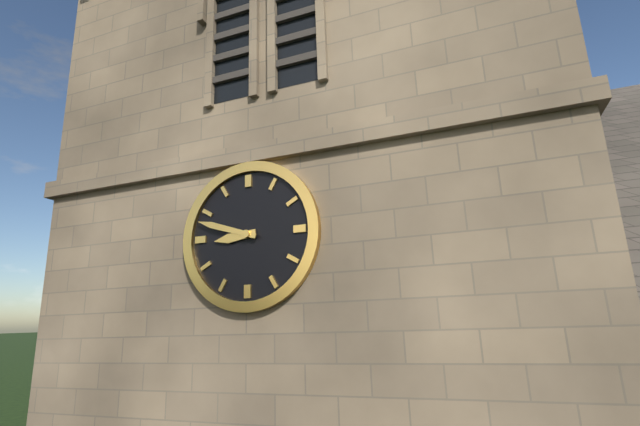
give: {"hour": 8, "minute": 48}
